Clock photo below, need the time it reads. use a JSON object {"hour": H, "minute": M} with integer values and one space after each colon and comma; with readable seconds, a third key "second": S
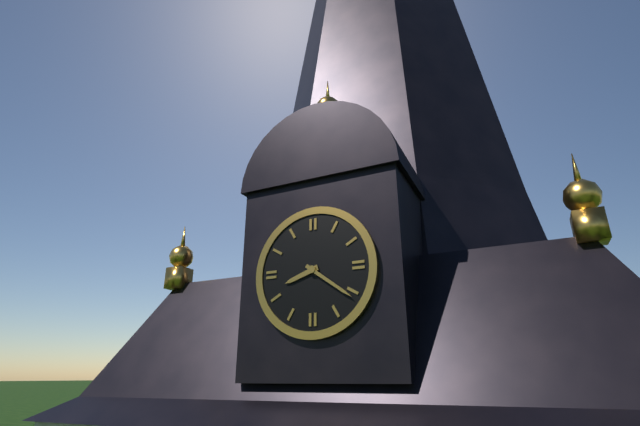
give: {"hour": 8, "minute": 21}
